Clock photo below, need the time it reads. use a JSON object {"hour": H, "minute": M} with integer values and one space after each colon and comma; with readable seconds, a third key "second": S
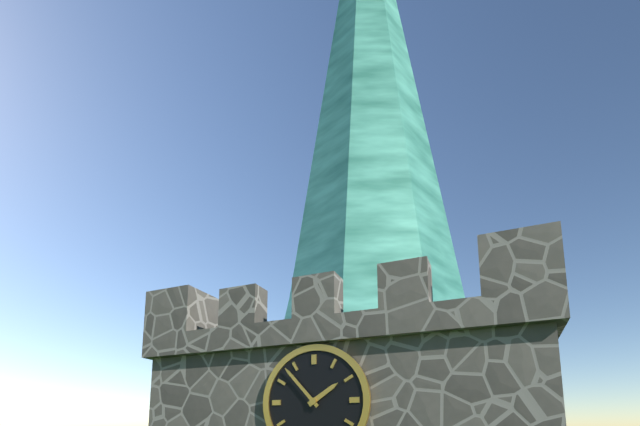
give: {"hour": 1, "minute": 53}
